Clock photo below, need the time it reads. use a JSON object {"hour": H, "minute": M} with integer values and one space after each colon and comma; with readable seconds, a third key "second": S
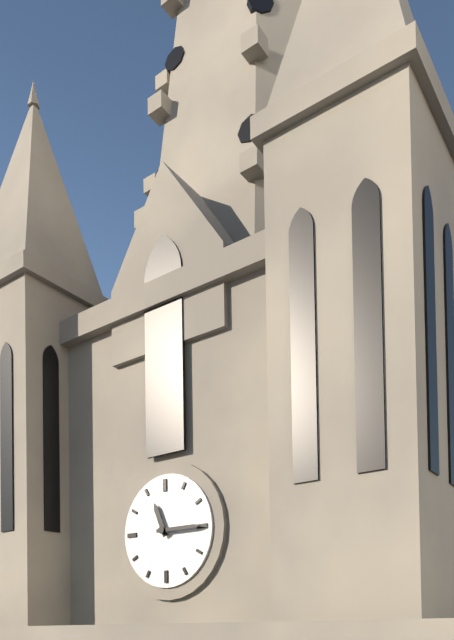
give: {"hour": 11, "minute": 15}
